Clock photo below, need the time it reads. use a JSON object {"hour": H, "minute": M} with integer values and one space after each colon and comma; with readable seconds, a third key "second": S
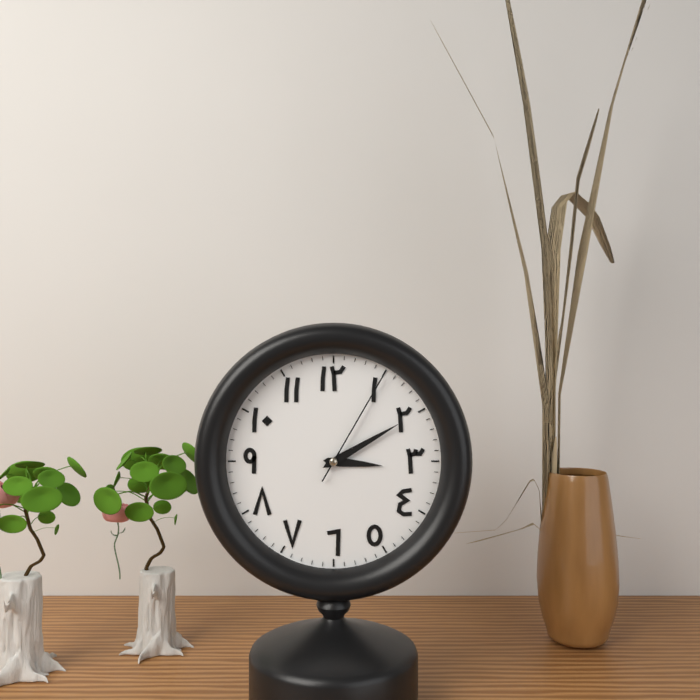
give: {"hour": 3, "minute": 10, "second": 5}
